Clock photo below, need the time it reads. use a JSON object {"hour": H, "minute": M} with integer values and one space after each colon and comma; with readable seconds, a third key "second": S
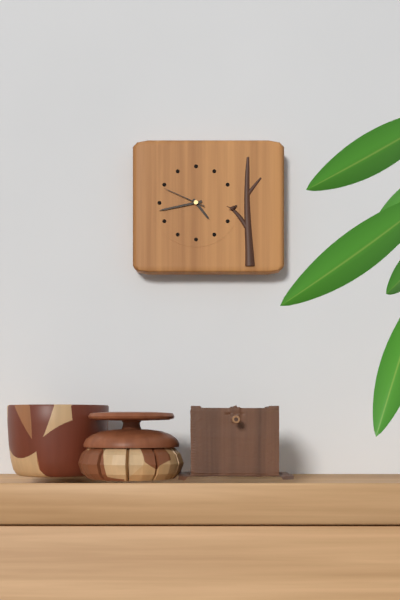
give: {"hour": 4, "minute": 43}
